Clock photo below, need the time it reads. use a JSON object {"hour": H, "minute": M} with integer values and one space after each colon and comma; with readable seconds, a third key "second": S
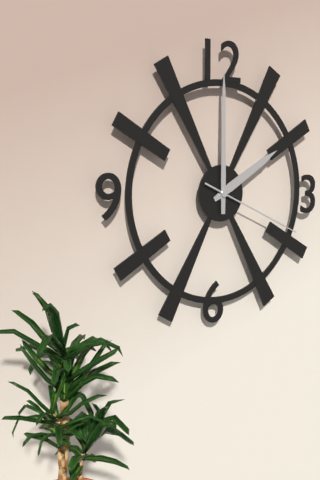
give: {"hour": 2, "minute": 0, "second": 19}
